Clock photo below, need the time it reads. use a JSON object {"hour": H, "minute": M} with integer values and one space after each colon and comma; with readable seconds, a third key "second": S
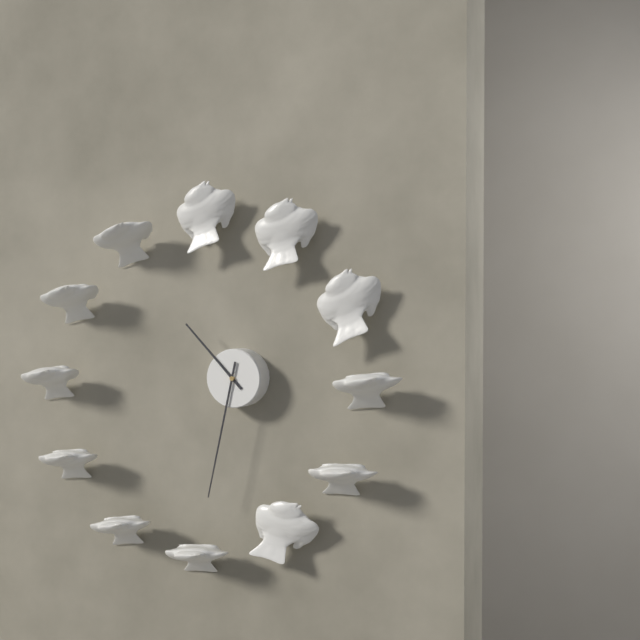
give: {"hour": 10, "minute": 32}
